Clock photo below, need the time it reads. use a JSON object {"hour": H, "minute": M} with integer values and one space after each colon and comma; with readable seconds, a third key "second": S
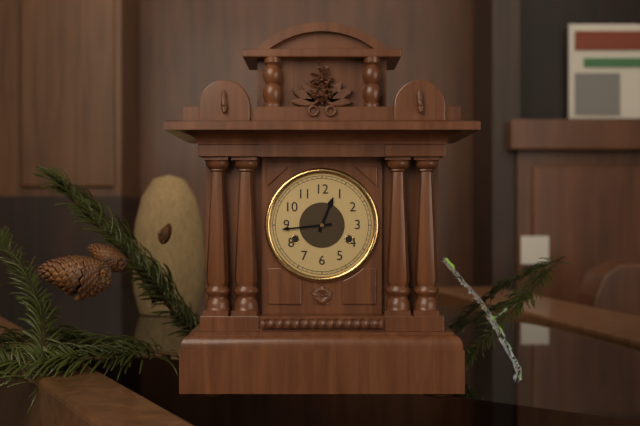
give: {"hour": 12, "minute": 44}
